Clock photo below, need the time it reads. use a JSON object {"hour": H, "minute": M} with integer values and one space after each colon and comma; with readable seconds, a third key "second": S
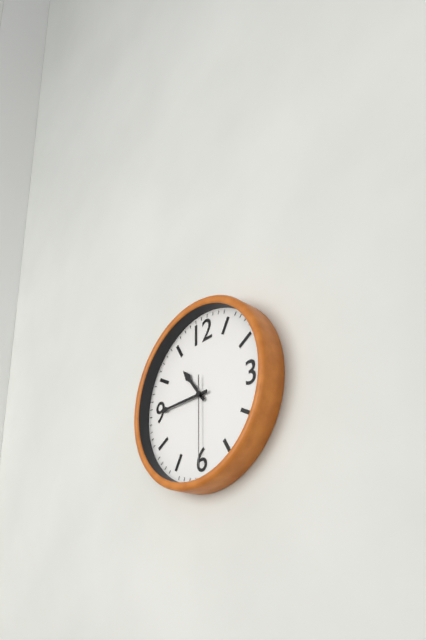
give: {"hour": 10, "minute": 45, "second": 30}
